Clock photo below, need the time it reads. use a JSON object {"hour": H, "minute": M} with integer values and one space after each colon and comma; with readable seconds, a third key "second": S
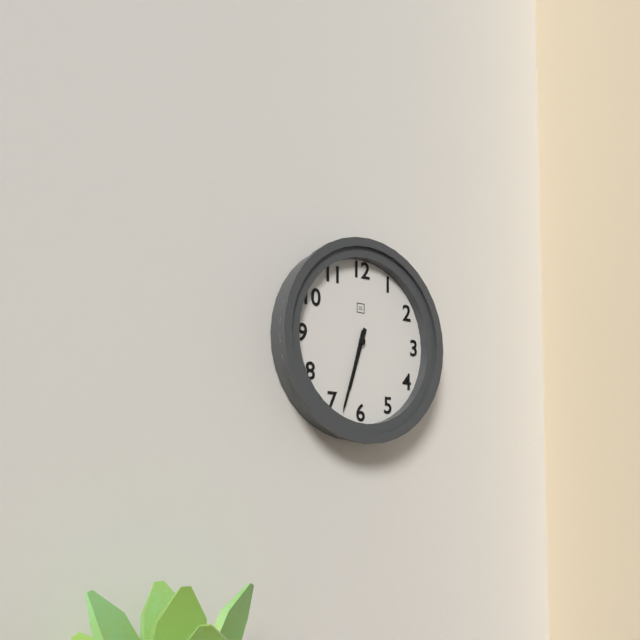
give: {"hour": 6, "minute": 33}
